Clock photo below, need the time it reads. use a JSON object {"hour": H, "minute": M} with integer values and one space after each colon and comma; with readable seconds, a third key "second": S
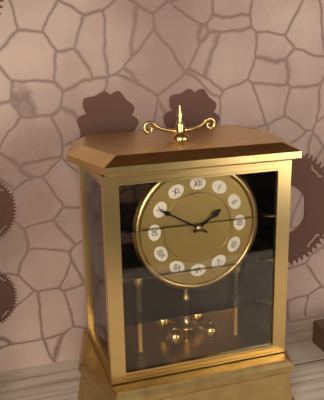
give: {"hour": 1, "minute": 50}
